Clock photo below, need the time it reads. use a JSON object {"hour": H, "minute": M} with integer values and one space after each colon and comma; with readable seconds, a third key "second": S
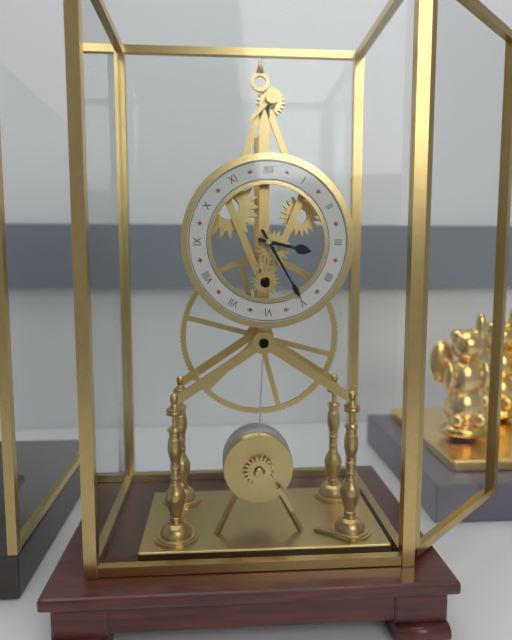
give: {"hour": 3, "minute": 25}
